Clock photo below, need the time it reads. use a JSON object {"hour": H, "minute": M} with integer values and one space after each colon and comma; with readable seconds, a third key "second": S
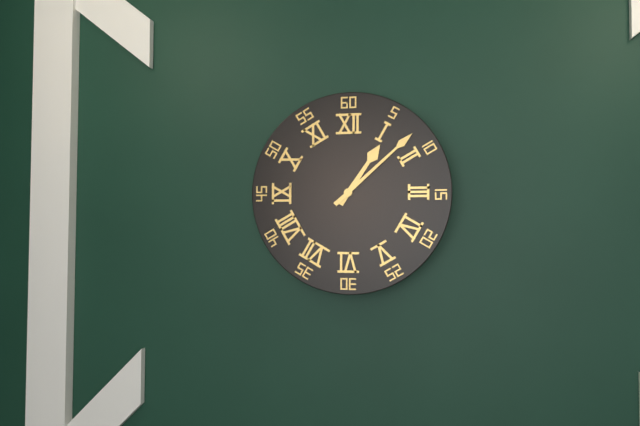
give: {"hour": 1, "minute": 8}
